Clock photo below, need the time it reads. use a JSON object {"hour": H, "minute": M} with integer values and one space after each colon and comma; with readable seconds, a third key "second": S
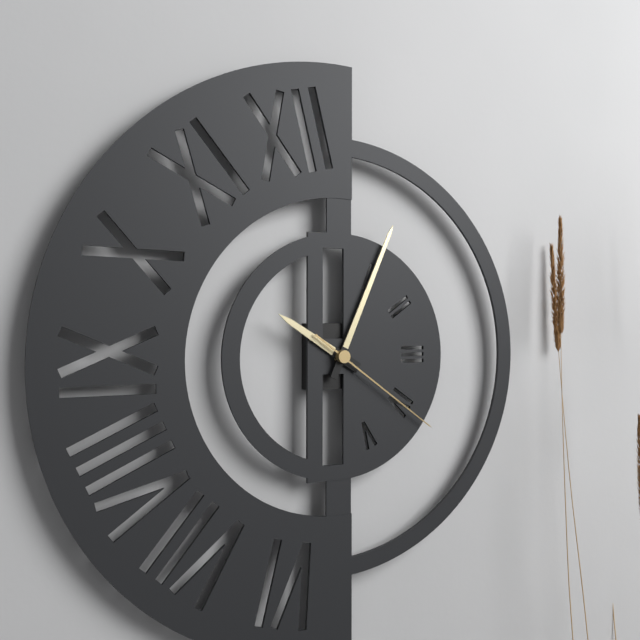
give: {"hour": 10, "minute": 4, "second": 21}
